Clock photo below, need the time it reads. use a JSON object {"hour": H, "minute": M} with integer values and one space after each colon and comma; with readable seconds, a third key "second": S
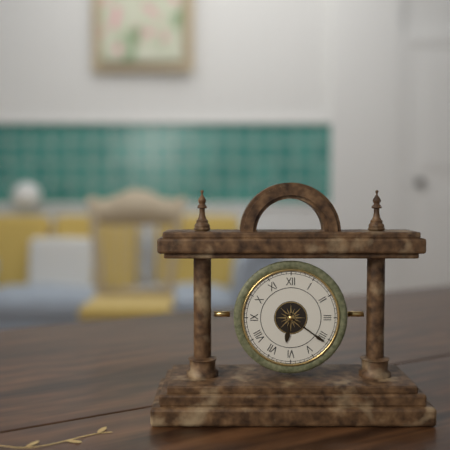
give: {"hour": 6, "minute": 21}
